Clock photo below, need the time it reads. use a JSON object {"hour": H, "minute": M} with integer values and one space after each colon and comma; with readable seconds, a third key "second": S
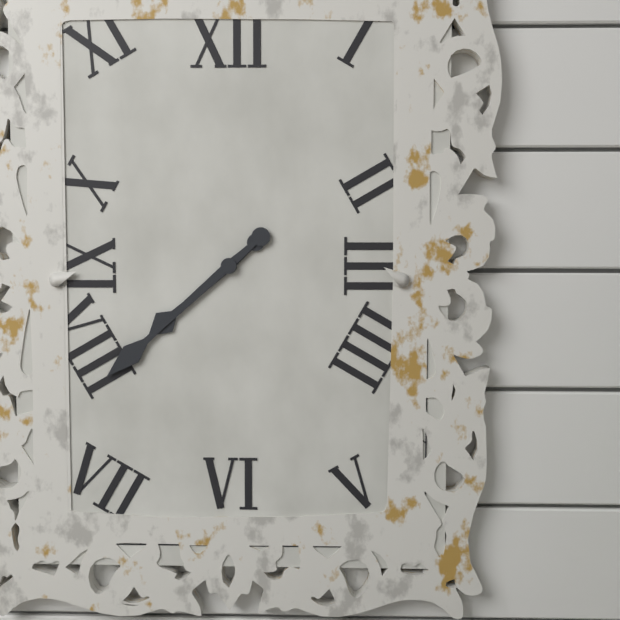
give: {"hour": 7, "minute": 38}
